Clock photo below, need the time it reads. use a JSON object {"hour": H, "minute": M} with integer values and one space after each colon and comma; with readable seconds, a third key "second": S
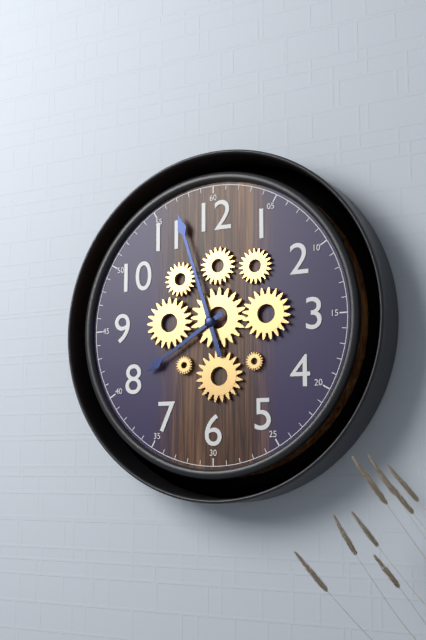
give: {"hour": 7, "minute": 57}
